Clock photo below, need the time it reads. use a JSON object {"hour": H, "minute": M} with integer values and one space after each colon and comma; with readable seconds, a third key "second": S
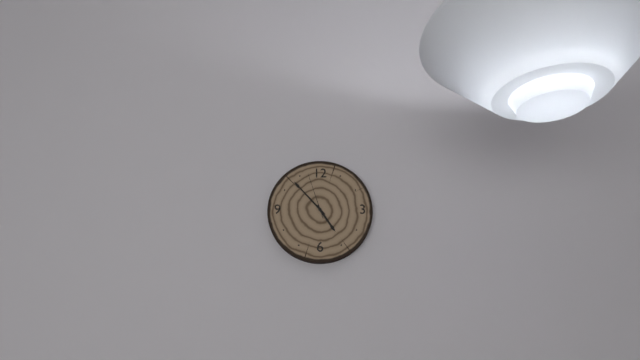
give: {"hour": 4, "minute": 53}
